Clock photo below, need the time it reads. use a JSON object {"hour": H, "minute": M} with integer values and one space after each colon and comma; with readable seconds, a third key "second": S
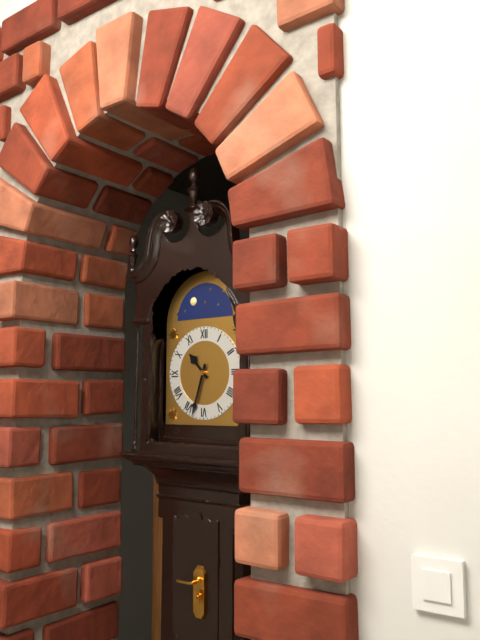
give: {"hour": 10, "minute": 33}
